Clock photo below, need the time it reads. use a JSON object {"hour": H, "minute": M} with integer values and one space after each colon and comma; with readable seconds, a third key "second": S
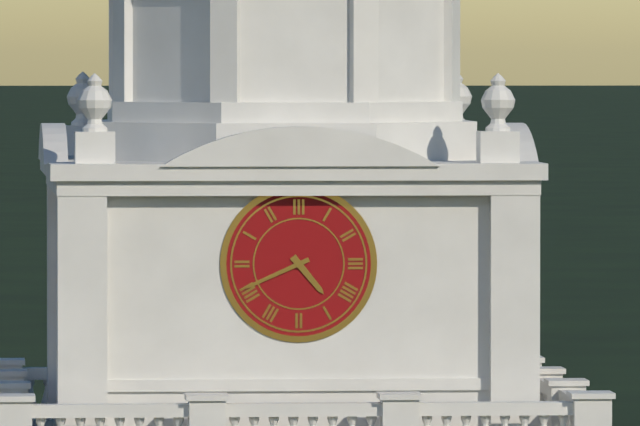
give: {"hour": 4, "minute": 41}
